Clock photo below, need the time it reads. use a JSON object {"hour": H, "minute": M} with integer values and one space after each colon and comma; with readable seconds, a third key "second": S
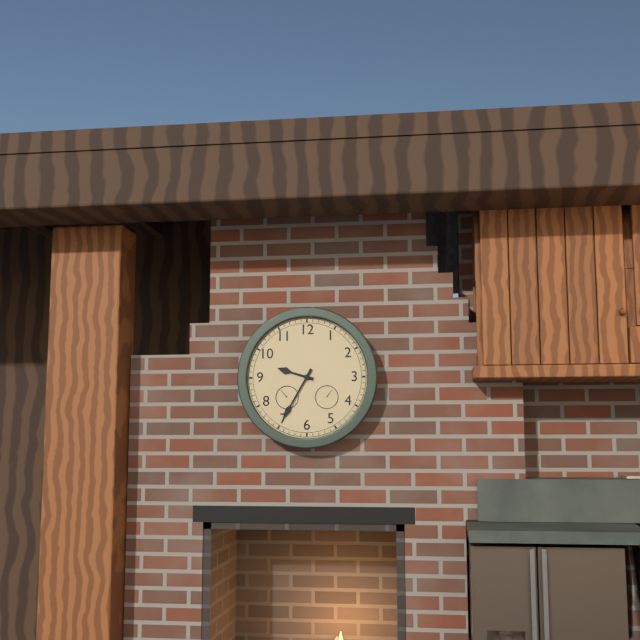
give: {"hour": 9, "minute": 35}
